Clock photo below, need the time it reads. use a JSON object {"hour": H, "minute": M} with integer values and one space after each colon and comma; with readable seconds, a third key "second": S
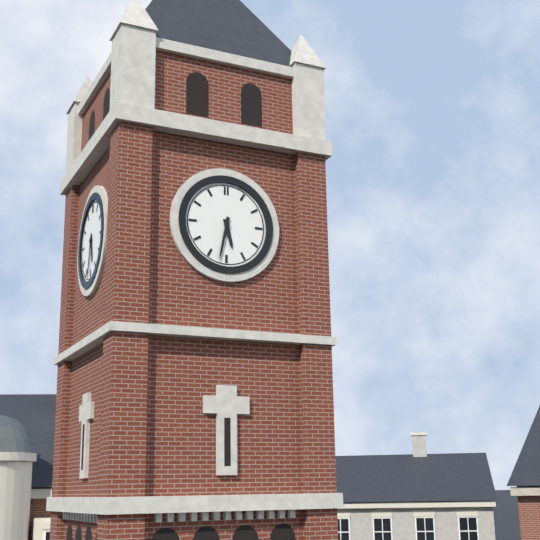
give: {"hour": 5, "minute": 32}
